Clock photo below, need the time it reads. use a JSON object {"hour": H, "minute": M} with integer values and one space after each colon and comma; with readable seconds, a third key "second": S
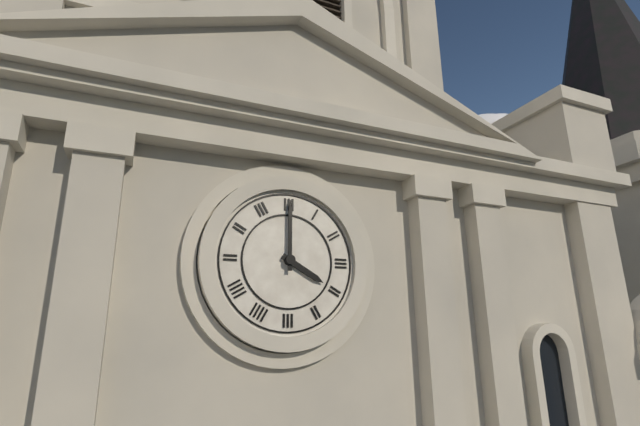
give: {"hour": 4, "minute": 0}
